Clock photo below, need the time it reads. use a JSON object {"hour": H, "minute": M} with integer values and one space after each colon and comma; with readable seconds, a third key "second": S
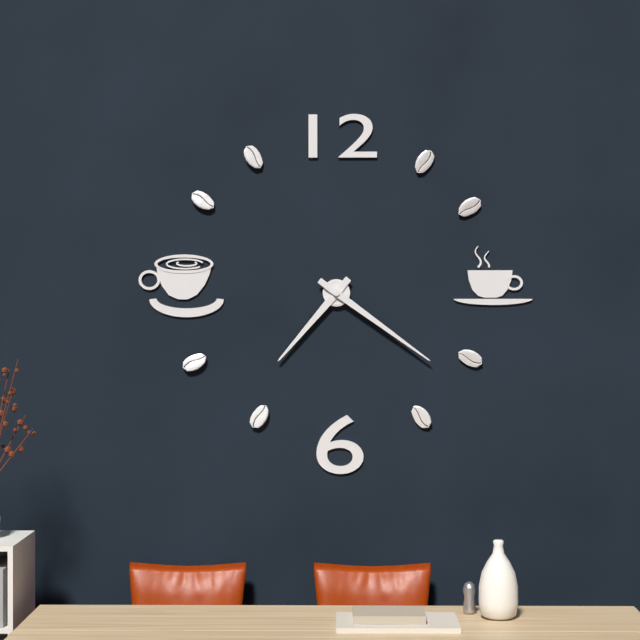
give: {"hour": 7, "minute": 21}
